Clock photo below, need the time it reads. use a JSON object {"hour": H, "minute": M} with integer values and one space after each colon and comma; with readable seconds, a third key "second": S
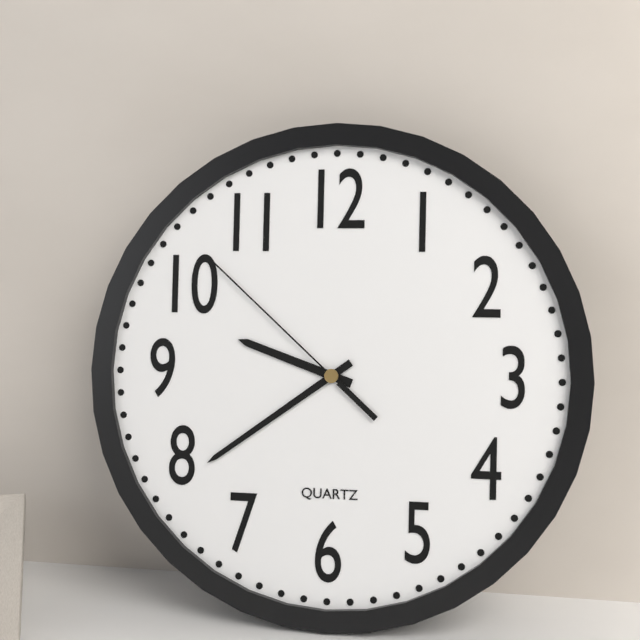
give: {"hour": 9, "minute": 39, "second": 52}
